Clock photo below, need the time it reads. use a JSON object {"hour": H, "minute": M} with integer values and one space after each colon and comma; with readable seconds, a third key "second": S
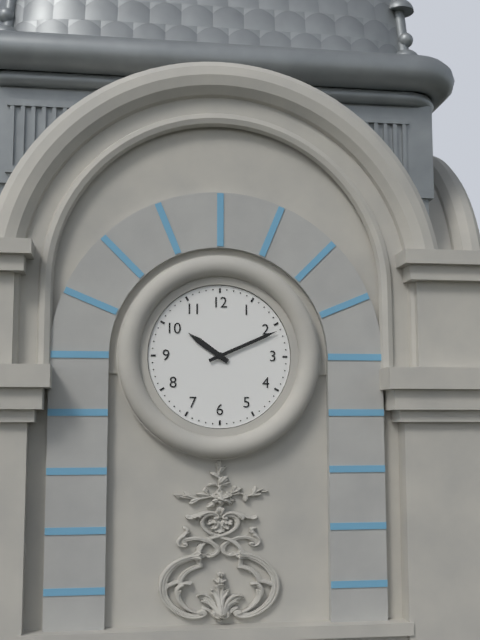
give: {"hour": 10, "minute": 11}
